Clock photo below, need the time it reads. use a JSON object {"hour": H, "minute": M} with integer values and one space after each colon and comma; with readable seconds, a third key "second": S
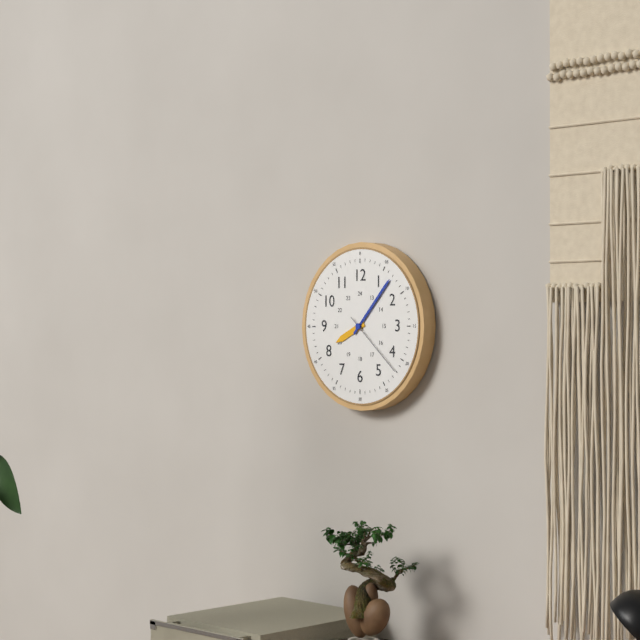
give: {"hour": 8, "minute": 7, "second": 22}
